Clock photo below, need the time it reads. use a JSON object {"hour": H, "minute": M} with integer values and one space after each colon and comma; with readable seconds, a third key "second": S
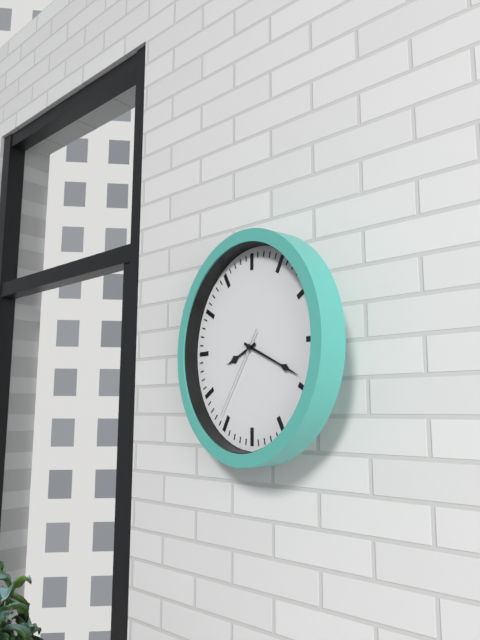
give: {"hour": 8, "minute": 19, "second": 36}
